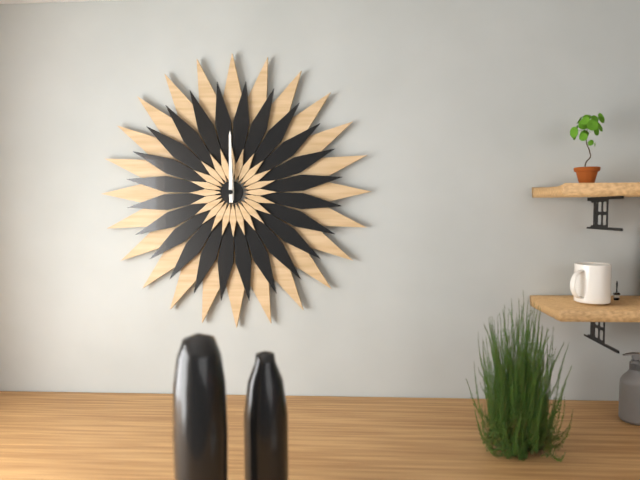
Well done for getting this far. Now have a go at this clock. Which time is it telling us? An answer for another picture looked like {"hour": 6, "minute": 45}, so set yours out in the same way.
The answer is {"hour": 12, "minute": 0}
